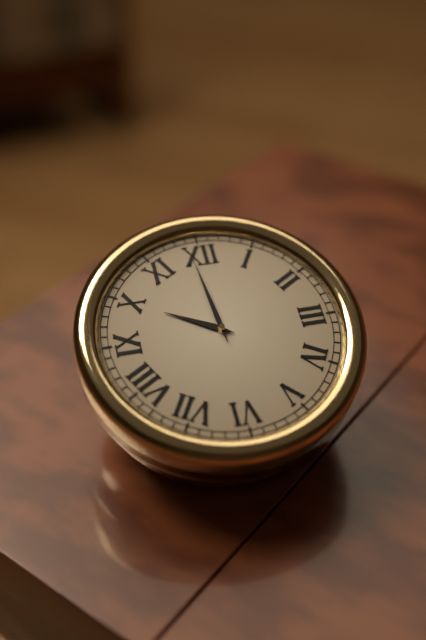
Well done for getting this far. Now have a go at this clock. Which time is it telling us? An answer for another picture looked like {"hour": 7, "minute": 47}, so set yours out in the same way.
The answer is {"hour": 9, "minute": 59}
